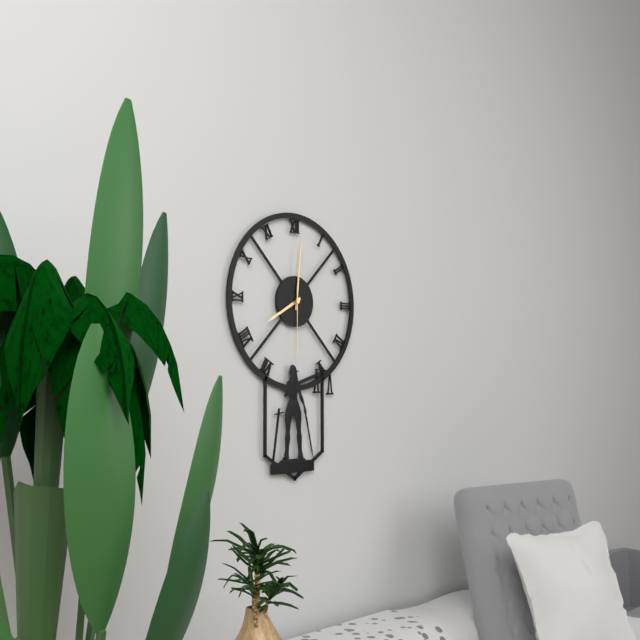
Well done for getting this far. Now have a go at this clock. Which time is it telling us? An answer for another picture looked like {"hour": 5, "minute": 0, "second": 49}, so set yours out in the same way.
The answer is {"hour": 8, "minute": 1, "second": 30}
